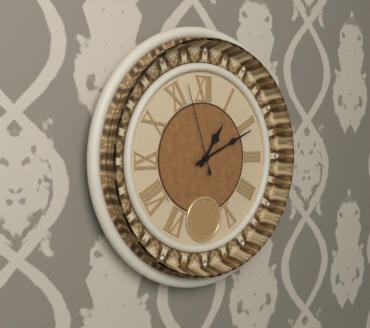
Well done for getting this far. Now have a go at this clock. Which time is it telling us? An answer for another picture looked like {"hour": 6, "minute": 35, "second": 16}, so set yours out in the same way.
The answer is {"hour": 1, "minute": 11, "second": 57}
